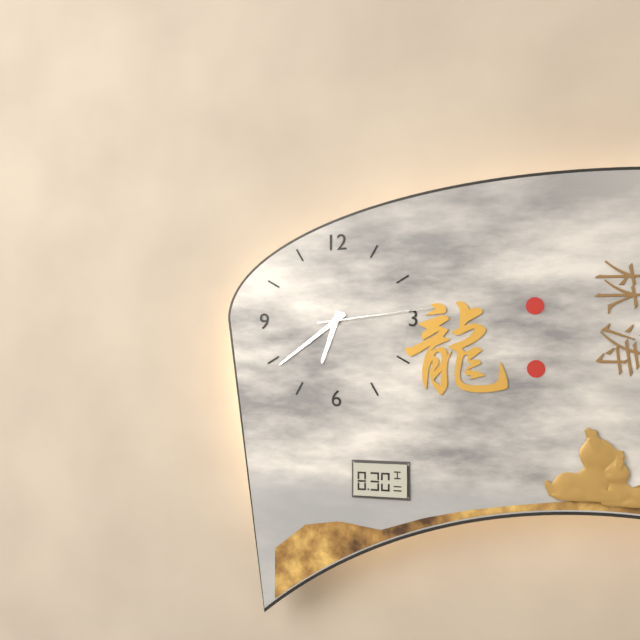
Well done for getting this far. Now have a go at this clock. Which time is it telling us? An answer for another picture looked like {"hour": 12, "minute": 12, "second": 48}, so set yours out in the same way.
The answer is {"hour": 6, "minute": 39, "second": 14}
